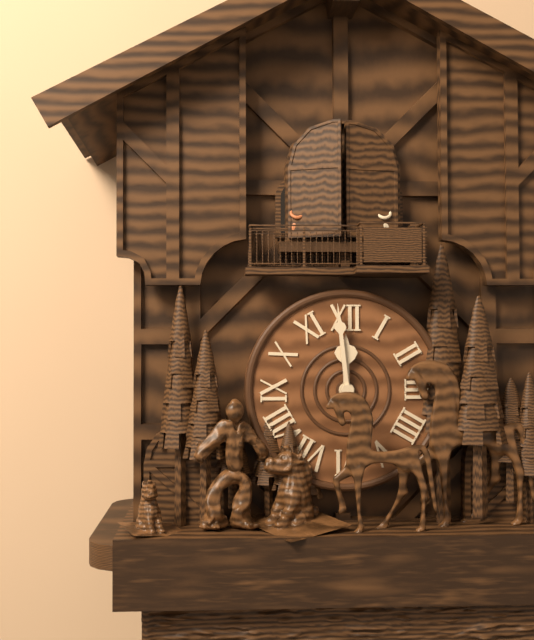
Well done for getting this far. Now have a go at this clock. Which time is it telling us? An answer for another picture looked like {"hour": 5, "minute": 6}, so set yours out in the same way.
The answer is {"hour": 11, "minute": 59}
